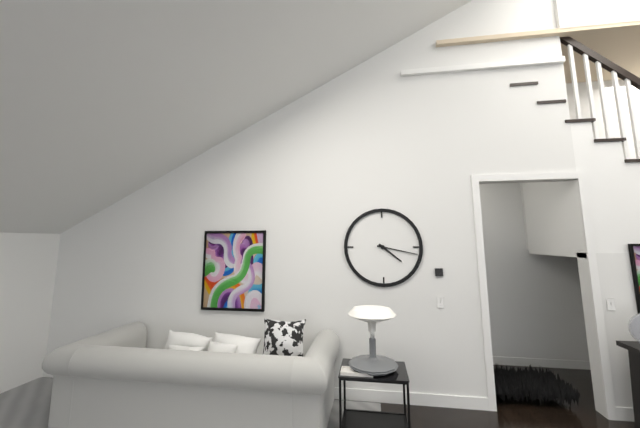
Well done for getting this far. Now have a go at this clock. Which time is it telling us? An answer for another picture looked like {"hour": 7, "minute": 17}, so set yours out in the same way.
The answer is {"hour": 4, "minute": 17}
